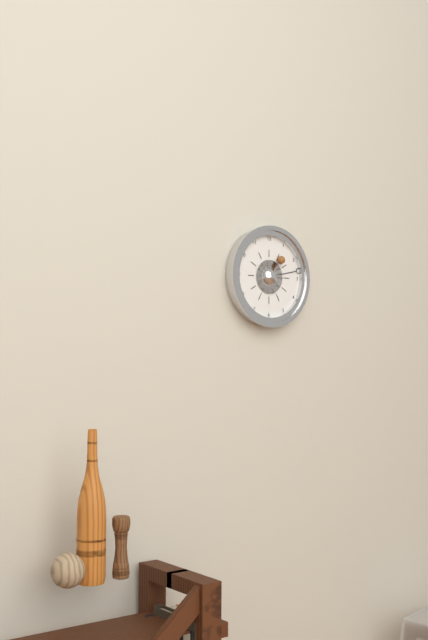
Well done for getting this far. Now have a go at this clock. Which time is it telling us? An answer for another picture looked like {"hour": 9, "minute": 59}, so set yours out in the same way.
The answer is {"hour": 1, "minute": 13}
